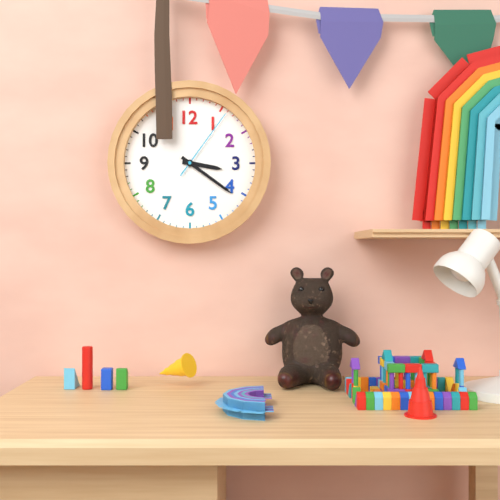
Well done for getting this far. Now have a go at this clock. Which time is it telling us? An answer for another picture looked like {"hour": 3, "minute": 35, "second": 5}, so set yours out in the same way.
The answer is {"hour": 3, "minute": 21, "second": 6}
